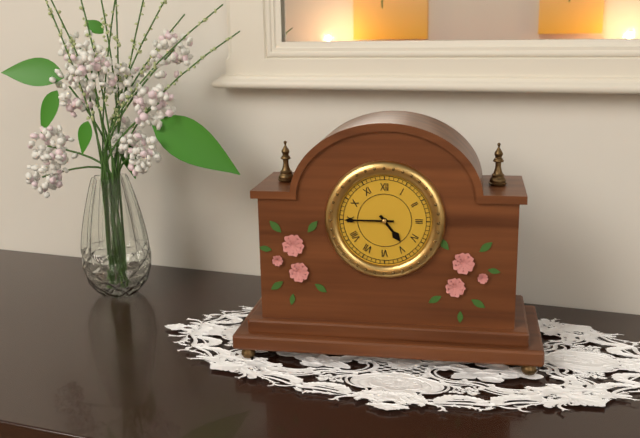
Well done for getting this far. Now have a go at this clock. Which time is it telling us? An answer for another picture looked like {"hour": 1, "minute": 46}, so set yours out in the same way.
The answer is {"hour": 4, "minute": 45}
